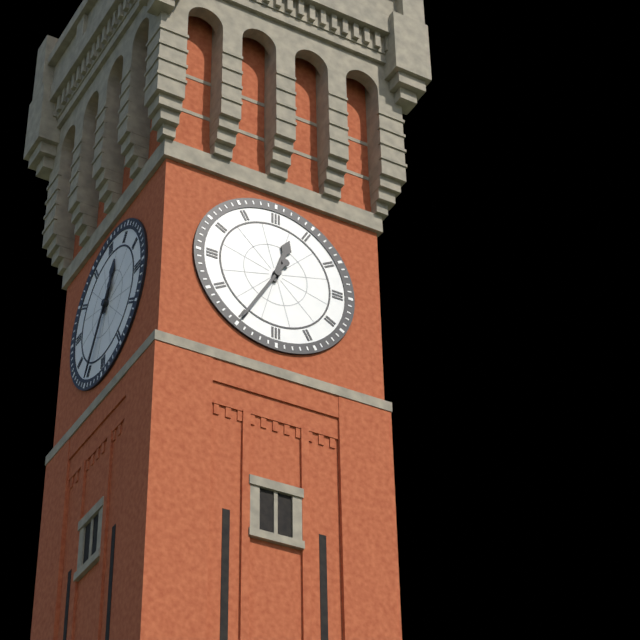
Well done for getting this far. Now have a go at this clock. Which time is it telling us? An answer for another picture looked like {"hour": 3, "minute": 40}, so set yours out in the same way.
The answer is {"hour": 12, "minute": 35}
